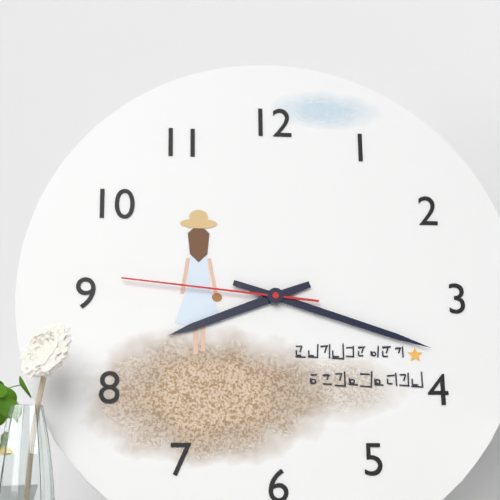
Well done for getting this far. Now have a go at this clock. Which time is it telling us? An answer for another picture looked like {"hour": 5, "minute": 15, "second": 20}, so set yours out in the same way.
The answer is {"hour": 8, "minute": 18, "second": 46}
